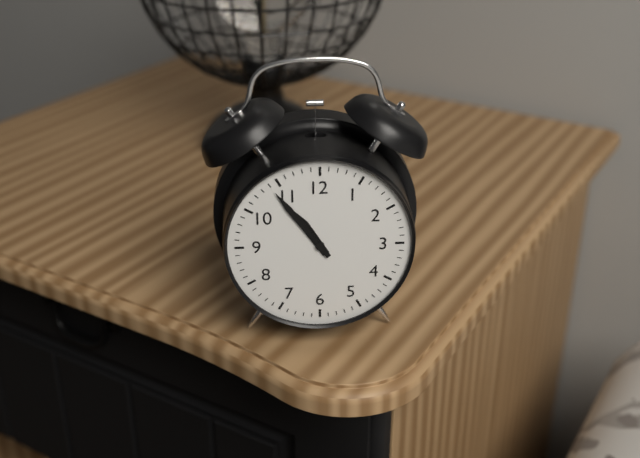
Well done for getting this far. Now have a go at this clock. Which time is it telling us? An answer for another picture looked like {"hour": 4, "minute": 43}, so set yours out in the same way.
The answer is {"hour": 10, "minute": 54}
